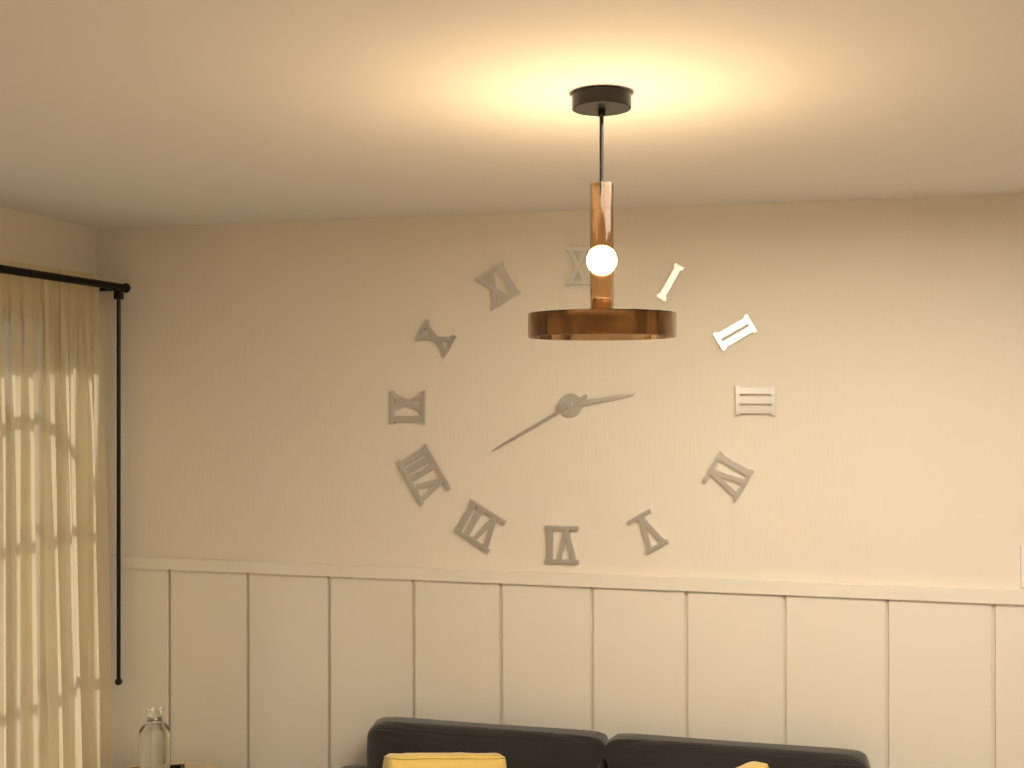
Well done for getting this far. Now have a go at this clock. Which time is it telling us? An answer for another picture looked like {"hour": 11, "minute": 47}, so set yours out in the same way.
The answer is {"hour": 2, "minute": 40}
